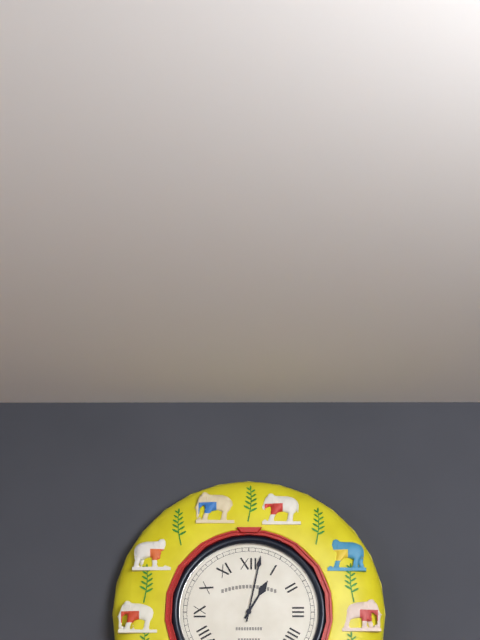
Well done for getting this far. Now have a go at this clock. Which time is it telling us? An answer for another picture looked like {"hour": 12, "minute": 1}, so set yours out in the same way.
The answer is {"hour": 1, "minute": 2}
